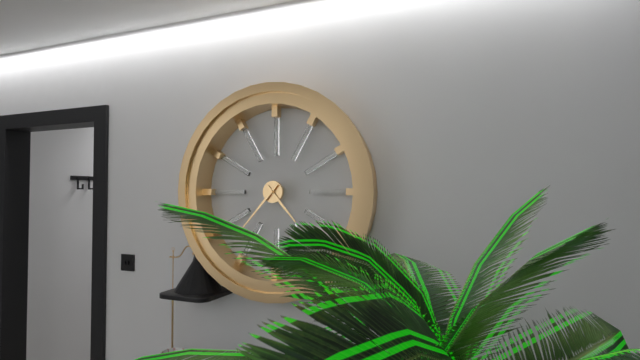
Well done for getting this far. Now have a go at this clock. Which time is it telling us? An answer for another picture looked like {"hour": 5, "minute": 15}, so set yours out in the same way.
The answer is {"hour": 4, "minute": 37}
